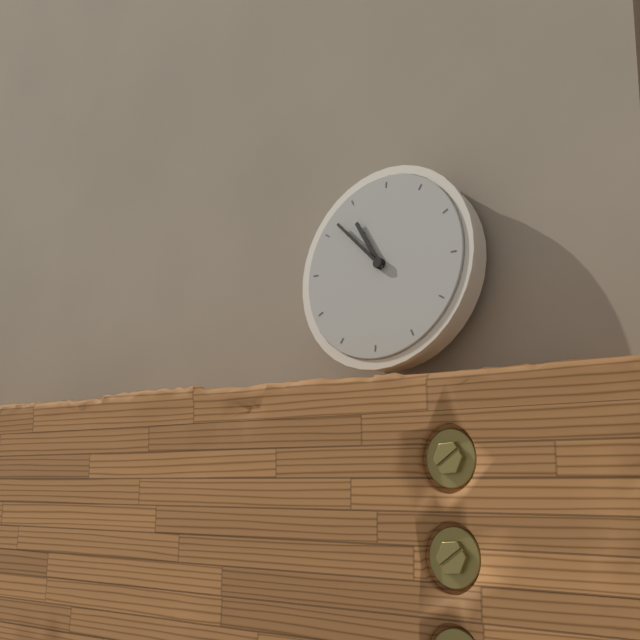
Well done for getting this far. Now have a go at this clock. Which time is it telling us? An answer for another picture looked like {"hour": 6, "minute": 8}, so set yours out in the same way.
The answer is {"hour": 10, "minute": 52}
